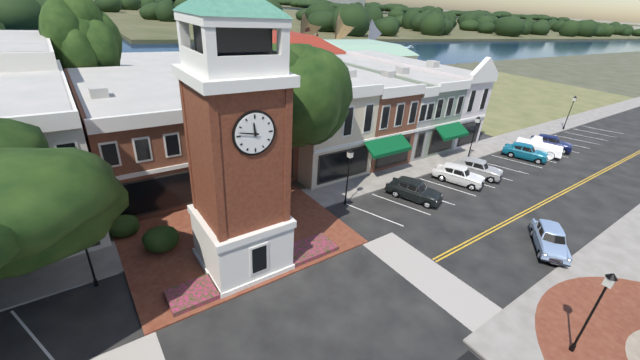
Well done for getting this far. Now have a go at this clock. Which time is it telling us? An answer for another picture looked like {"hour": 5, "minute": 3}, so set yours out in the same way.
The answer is {"hour": 11, "minute": 47}
